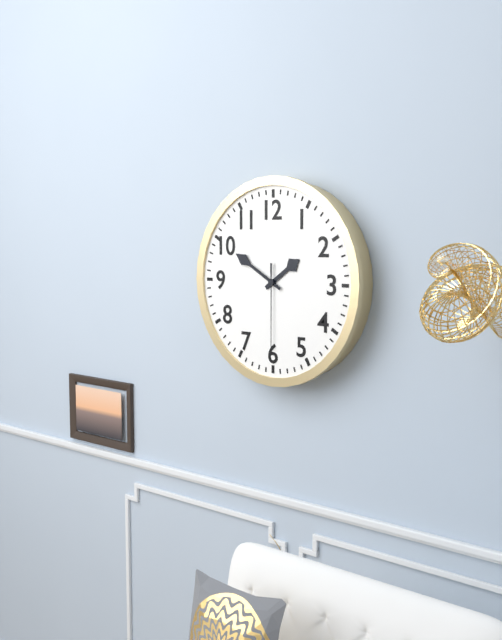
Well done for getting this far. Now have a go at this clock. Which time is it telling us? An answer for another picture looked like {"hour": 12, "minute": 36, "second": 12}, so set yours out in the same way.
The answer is {"hour": 1, "minute": 50, "second": 30}
